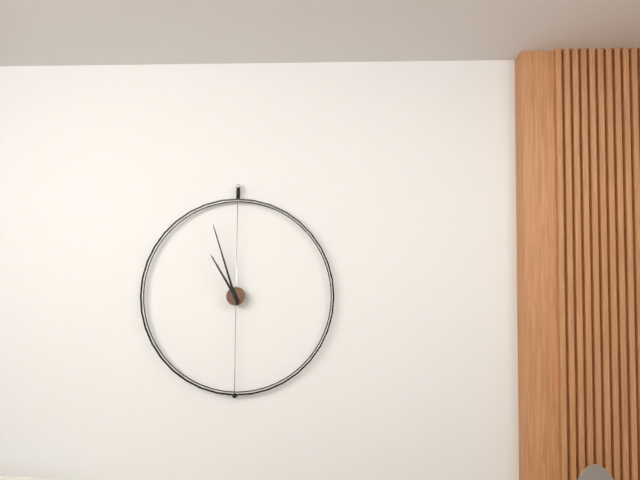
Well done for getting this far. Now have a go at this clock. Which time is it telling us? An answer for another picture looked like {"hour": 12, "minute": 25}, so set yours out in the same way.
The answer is {"hour": 10, "minute": 57}
